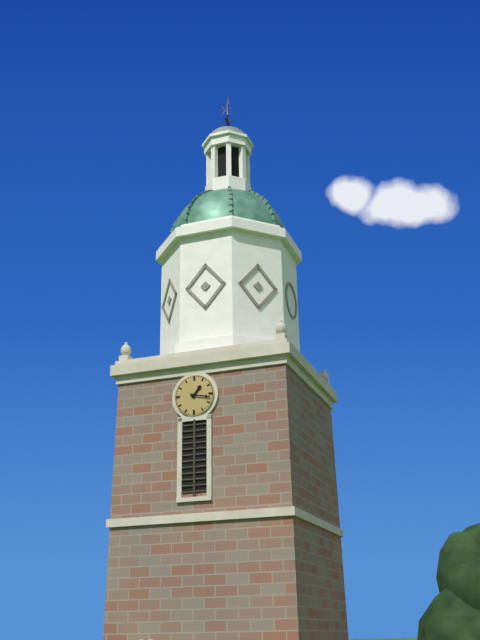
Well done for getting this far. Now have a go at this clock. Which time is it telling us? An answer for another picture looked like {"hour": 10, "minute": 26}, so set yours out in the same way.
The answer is {"hour": 1, "minute": 17}
